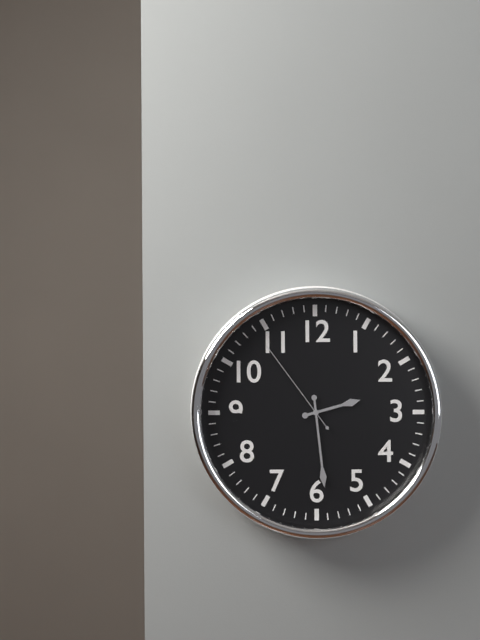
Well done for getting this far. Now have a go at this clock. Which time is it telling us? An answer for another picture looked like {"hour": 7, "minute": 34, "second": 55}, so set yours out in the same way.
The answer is {"hour": 2, "minute": 29, "second": 54}
